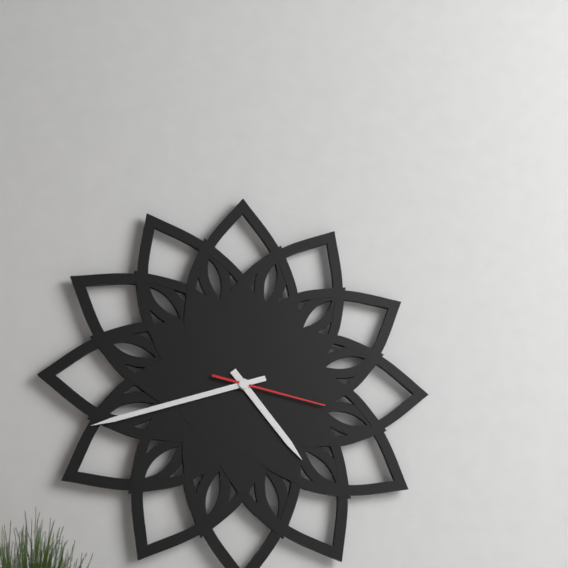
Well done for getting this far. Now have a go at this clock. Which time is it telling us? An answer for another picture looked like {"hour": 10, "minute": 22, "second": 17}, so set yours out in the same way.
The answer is {"hour": 4, "minute": 42, "second": 17}
